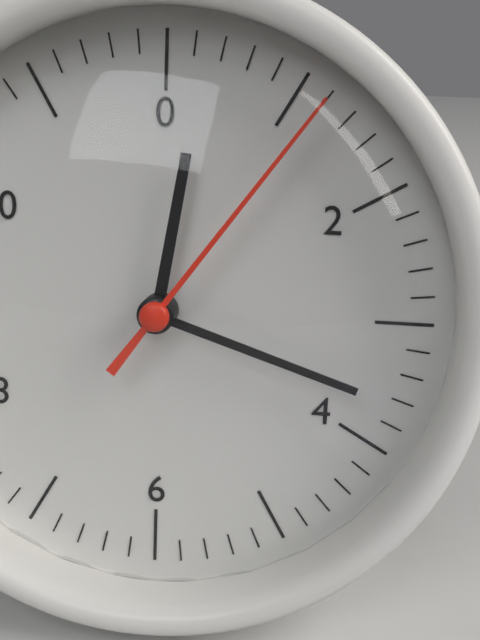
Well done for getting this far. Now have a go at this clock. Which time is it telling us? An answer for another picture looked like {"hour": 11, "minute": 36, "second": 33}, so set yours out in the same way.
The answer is {"hour": 12, "minute": 18, "second": 6}
